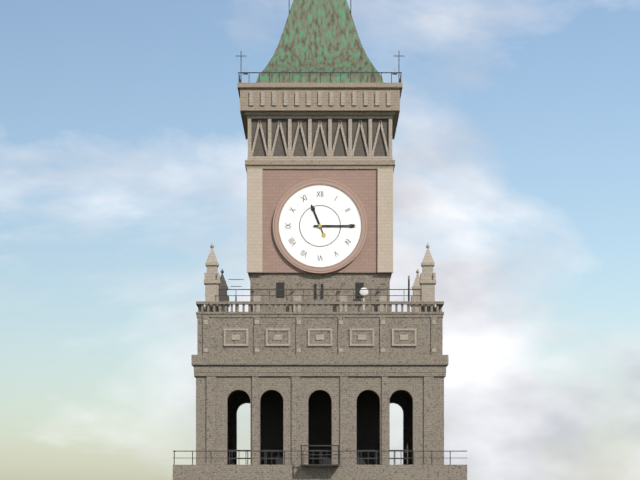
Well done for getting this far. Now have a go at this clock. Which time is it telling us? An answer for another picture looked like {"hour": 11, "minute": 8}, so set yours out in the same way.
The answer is {"hour": 11, "minute": 15}
